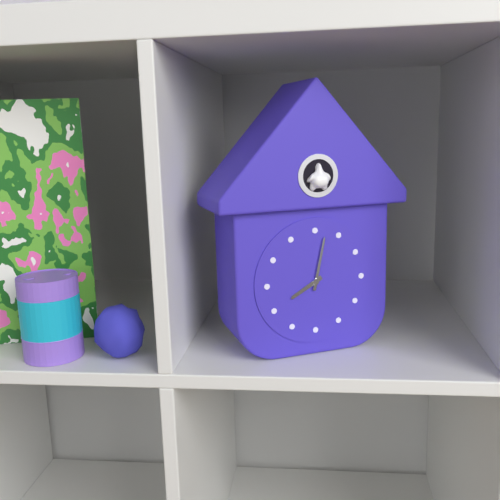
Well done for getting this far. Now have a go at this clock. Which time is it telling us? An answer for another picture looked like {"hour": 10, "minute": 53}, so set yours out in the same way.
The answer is {"hour": 8, "minute": 2}
